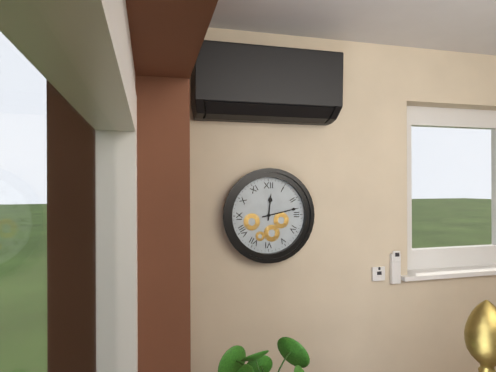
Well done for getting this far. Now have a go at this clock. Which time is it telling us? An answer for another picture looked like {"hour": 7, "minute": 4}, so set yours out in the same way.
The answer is {"hour": 12, "minute": 13}
